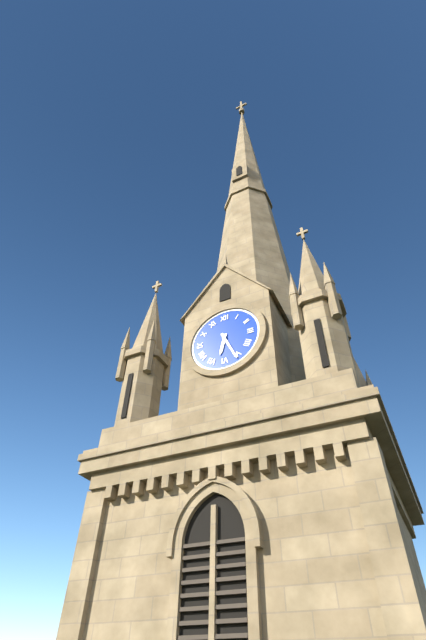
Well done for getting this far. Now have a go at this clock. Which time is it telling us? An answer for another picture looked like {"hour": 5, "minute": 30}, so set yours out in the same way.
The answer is {"hour": 6, "minute": 26}
